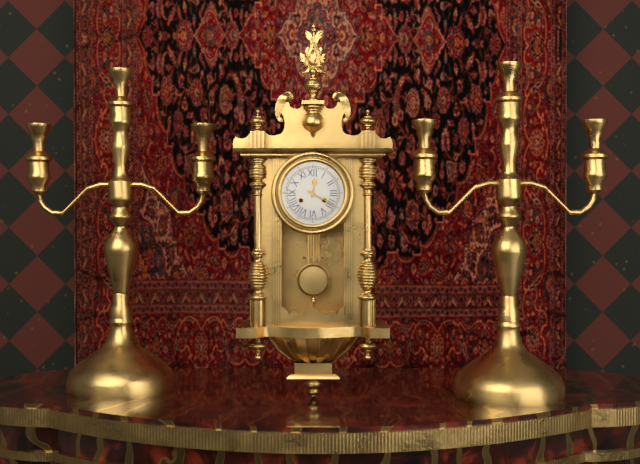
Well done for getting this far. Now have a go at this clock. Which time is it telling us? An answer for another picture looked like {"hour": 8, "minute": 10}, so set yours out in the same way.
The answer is {"hour": 12, "minute": 20}
